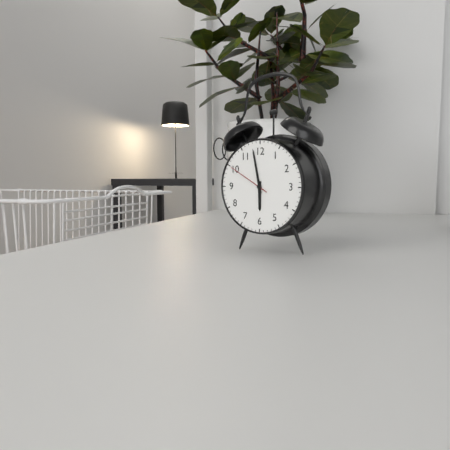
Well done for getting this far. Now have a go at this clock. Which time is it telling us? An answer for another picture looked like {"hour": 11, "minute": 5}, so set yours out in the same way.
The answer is {"hour": 5, "minute": 58}
